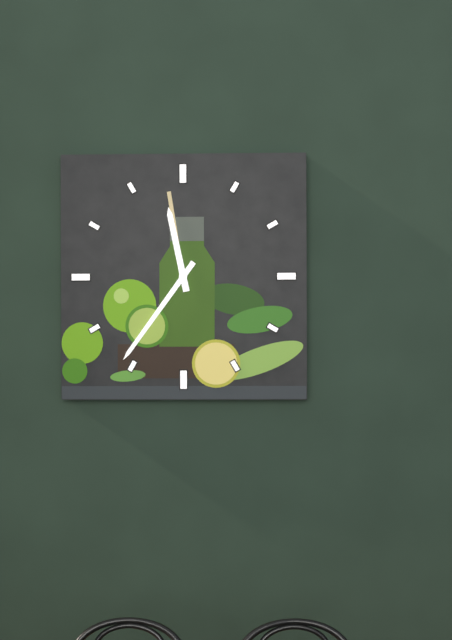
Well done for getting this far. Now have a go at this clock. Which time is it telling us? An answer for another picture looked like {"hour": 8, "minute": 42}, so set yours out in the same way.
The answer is {"hour": 11, "minute": 36}
